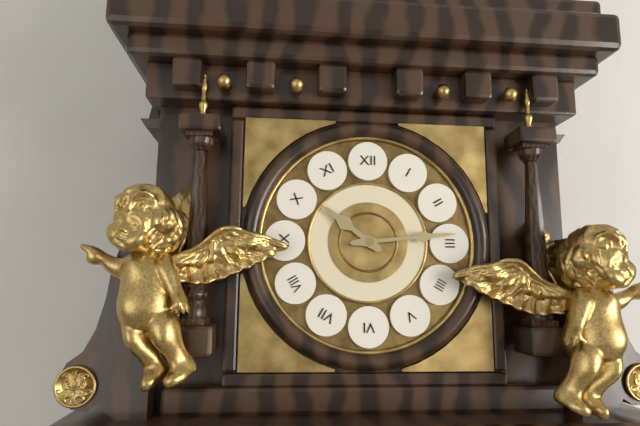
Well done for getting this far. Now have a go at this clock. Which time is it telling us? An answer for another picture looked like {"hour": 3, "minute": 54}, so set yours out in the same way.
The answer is {"hour": 10, "minute": 14}
